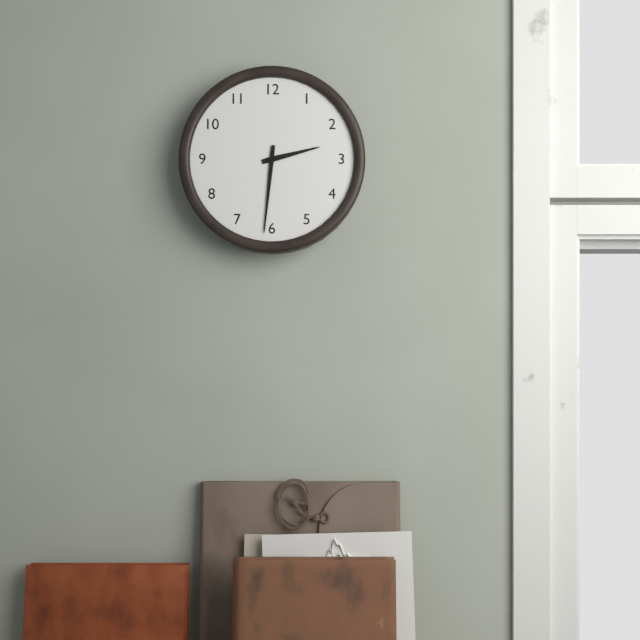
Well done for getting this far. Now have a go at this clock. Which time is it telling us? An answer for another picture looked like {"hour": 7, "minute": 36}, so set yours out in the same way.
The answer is {"hour": 2, "minute": 31}
